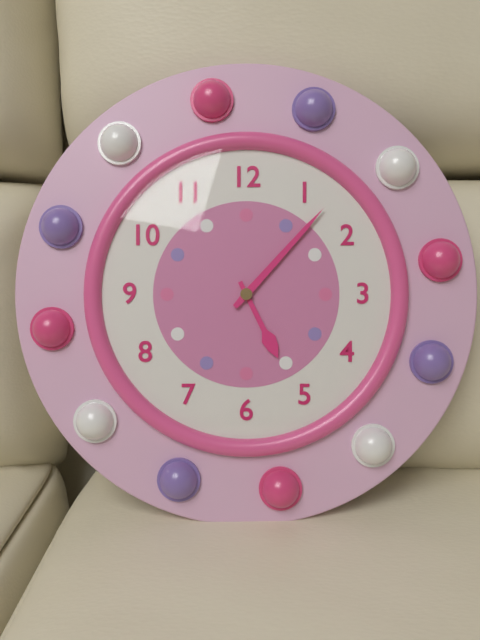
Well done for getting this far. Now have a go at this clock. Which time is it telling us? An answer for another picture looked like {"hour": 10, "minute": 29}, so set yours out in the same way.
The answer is {"hour": 5, "minute": 7}
